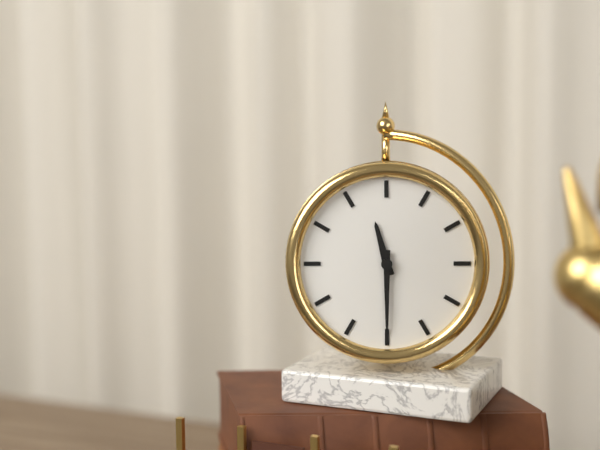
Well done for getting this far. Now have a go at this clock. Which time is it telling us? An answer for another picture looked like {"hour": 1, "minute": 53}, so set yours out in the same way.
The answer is {"hour": 11, "minute": 30}
